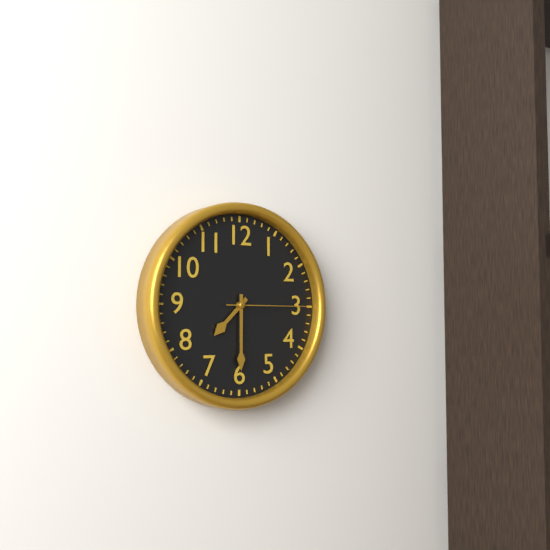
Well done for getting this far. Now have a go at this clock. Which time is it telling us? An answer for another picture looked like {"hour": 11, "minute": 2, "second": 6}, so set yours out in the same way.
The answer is {"hour": 7, "minute": 30, "second": 15}
